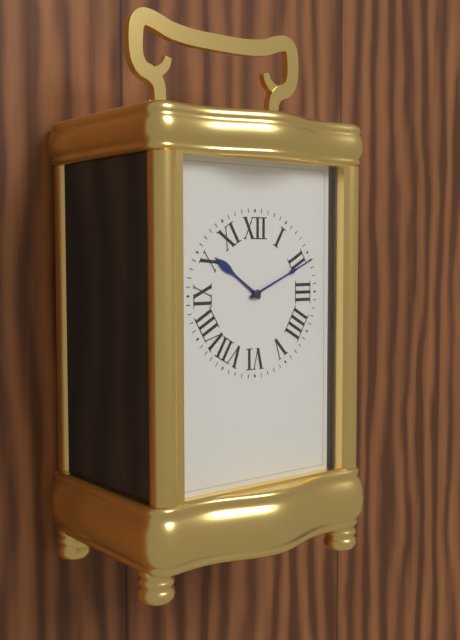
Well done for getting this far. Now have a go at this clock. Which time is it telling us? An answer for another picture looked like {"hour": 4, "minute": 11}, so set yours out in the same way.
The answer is {"hour": 10, "minute": 11}
